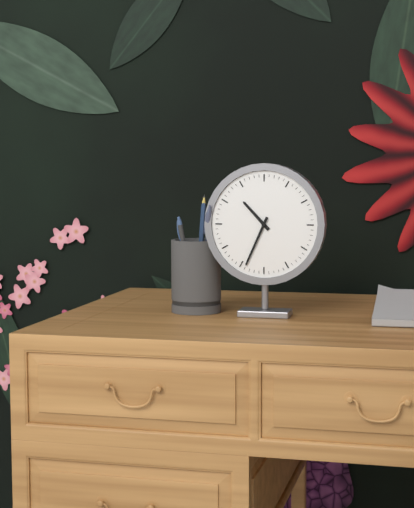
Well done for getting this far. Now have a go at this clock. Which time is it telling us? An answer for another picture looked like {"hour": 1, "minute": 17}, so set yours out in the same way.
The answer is {"hour": 10, "minute": 34}
